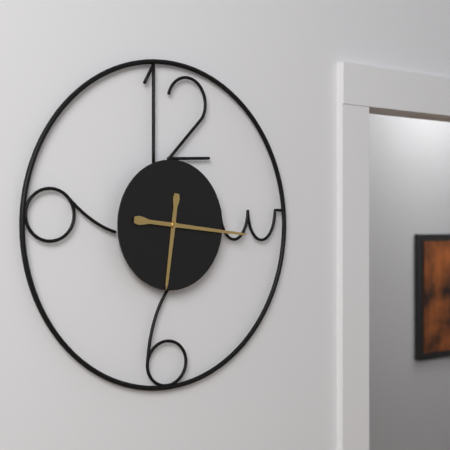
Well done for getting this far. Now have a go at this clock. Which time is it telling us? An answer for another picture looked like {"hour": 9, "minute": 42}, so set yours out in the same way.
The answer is {"hour": 6, "minute": 16}
